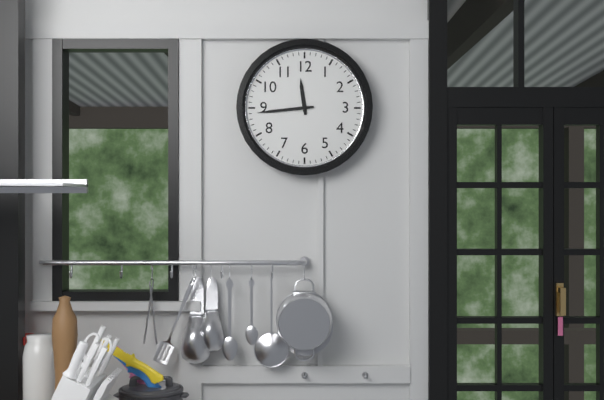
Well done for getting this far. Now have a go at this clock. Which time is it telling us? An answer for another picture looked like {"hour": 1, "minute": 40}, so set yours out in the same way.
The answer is {"hour": 11, "minute": 44}
